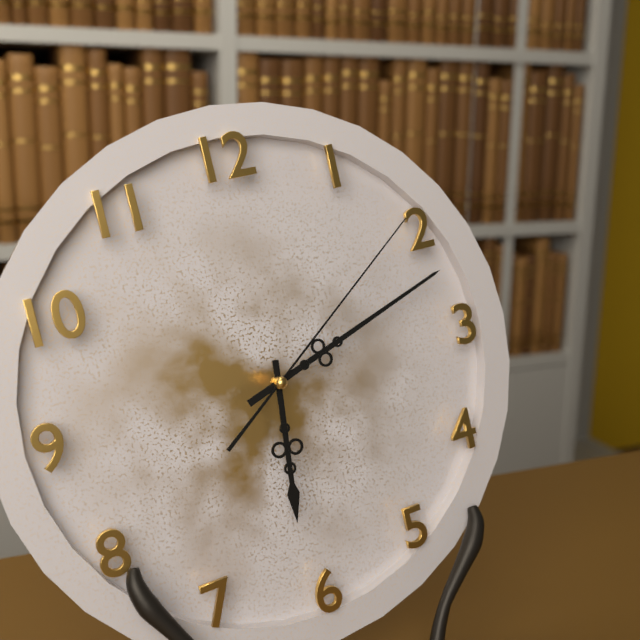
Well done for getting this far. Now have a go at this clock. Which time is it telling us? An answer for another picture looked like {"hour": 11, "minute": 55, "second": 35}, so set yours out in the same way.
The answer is {"hour": 6, "minute": 12, "second": 9}
